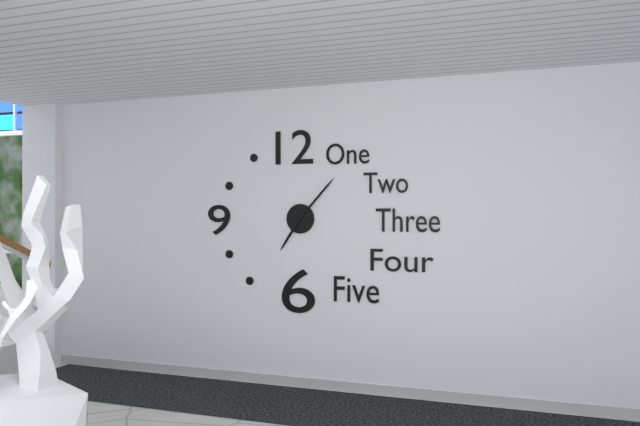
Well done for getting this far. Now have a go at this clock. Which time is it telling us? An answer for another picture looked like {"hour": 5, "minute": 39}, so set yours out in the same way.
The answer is {"hour": 7, "minute": 7}
